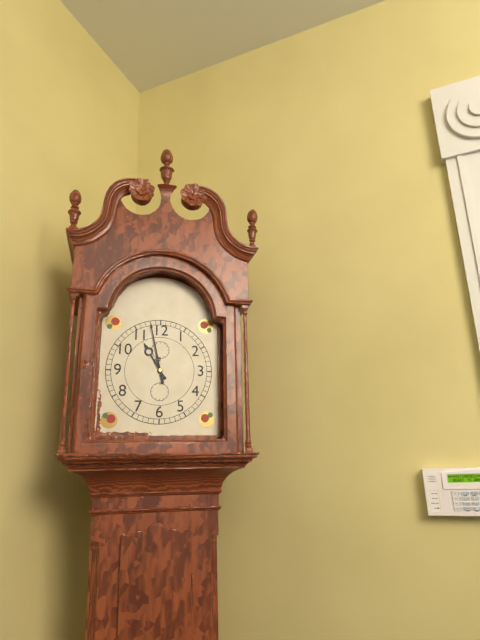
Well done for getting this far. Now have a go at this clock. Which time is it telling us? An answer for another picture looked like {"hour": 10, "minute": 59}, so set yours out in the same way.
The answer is {"hour": 10, "minute": 58}
